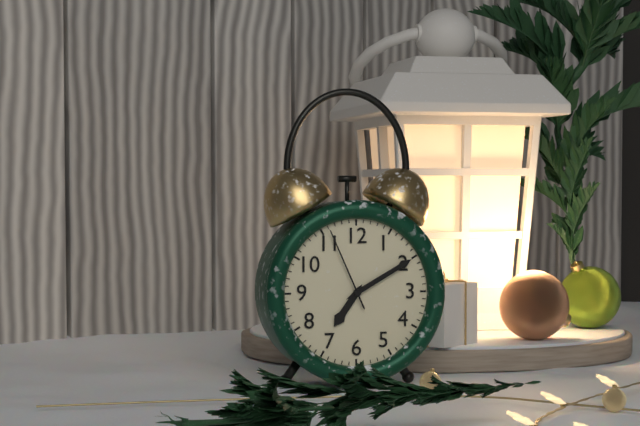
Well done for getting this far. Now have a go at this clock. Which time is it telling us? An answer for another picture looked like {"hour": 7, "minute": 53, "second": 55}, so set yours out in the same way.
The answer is {"hour": 7, "minute": 10, "second": 56}
